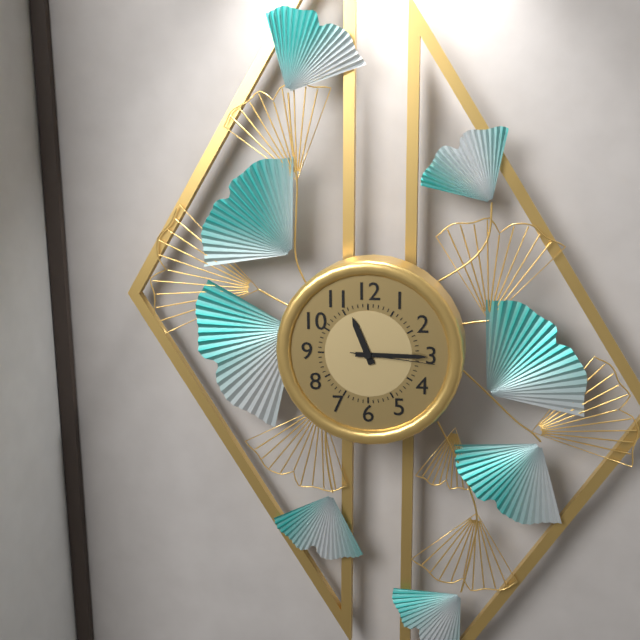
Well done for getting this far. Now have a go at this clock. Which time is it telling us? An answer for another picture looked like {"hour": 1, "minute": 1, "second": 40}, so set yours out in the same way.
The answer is {"hour": 11, "minute": 15, "second": 16}
